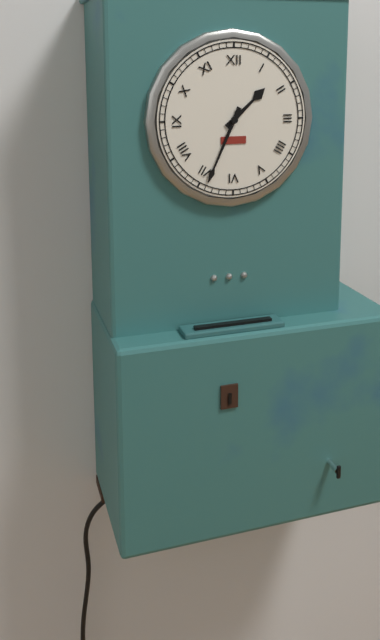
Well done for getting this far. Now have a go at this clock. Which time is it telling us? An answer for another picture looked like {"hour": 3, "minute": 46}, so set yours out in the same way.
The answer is {"hour": 1, "minute": 34}
